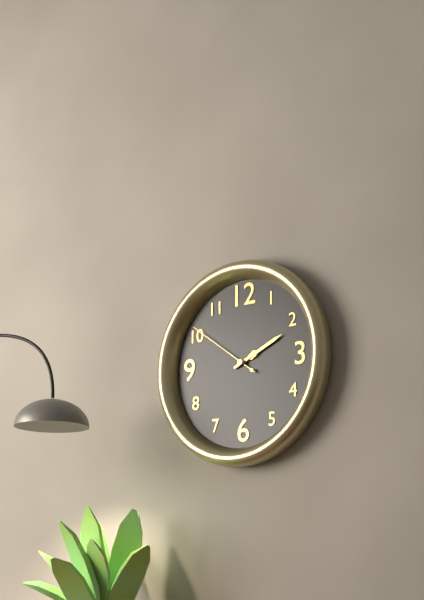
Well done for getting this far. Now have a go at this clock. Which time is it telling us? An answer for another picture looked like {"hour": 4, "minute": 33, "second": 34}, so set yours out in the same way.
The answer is {"hour": 2, "minute": 11, "second": 51}
